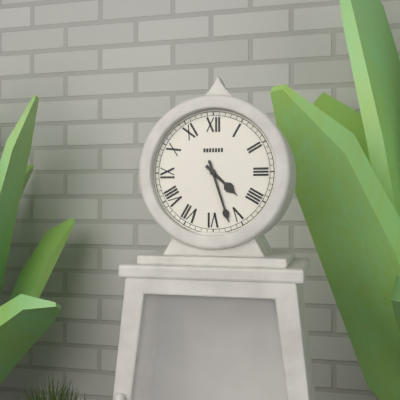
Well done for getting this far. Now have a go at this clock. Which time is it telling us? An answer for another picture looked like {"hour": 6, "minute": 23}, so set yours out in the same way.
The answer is {"hour": 4, "minute": 27}
